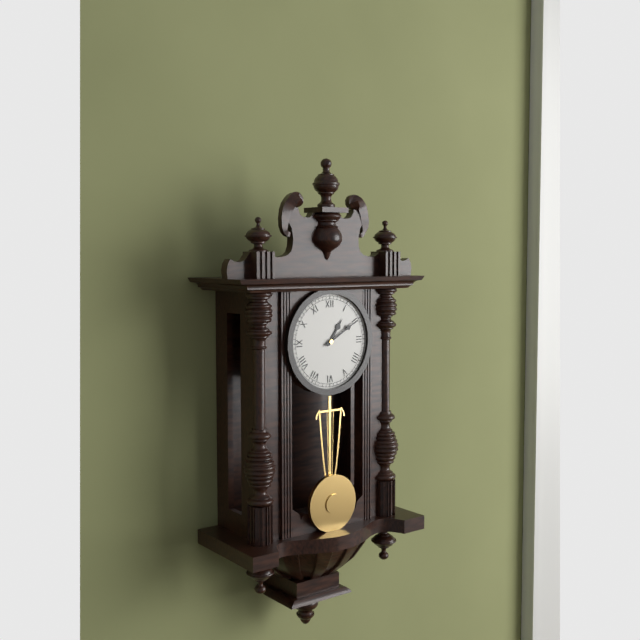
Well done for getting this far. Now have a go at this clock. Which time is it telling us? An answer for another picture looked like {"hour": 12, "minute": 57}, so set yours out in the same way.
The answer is {"hour": 1, "minute": 10}
